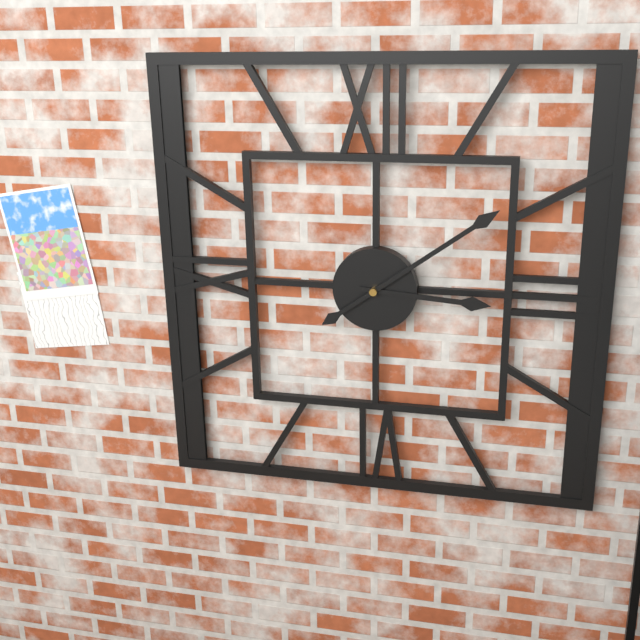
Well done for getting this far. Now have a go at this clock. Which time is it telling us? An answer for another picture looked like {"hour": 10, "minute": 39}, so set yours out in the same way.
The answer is {"hour": 3, "minute": 9}
